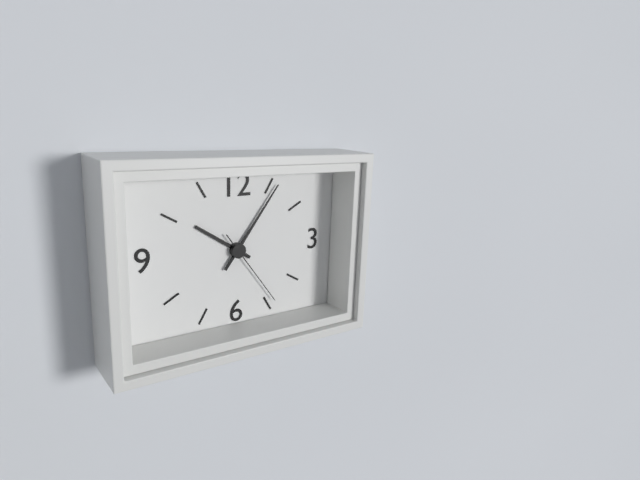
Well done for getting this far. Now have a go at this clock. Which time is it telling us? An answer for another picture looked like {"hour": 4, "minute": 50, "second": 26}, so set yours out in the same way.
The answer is {"hour": 10, "minute": 6, "second": 24}
